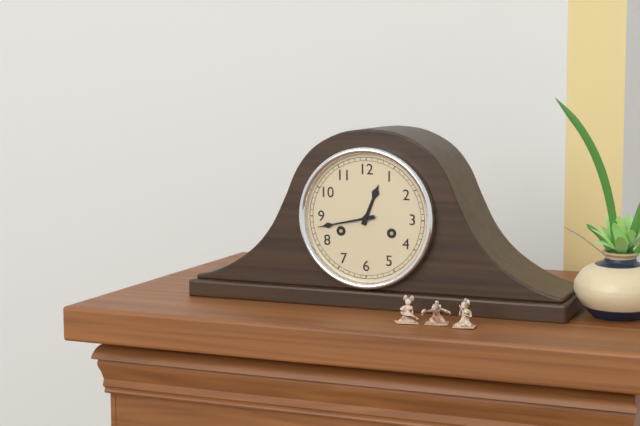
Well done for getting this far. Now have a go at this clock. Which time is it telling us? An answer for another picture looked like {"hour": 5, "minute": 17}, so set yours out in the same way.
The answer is {"hour": 12, "minute": 43}
